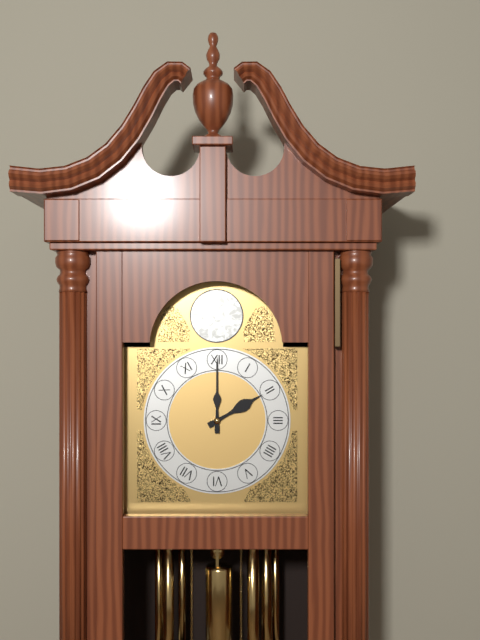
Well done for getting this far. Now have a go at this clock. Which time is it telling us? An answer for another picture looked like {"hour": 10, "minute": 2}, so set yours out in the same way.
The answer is {"hour": 2, "minute": 0}
